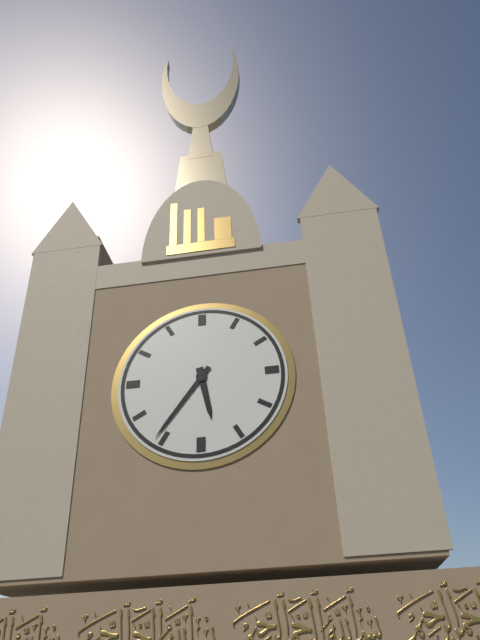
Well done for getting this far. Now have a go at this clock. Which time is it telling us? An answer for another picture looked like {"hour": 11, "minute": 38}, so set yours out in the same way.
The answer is {"hour": 5, "minute": 36}
